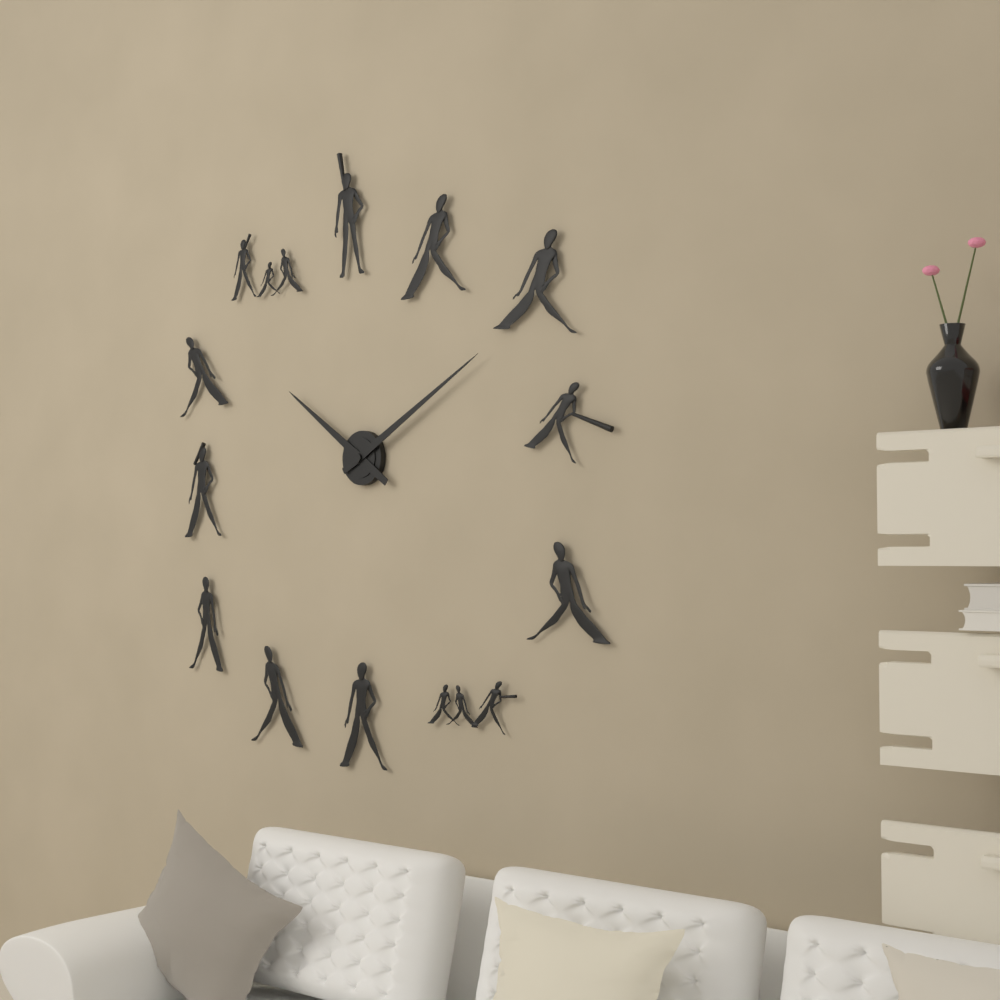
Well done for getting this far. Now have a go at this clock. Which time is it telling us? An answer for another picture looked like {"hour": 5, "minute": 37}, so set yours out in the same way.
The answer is {"hour": 10, "minute": 10}
